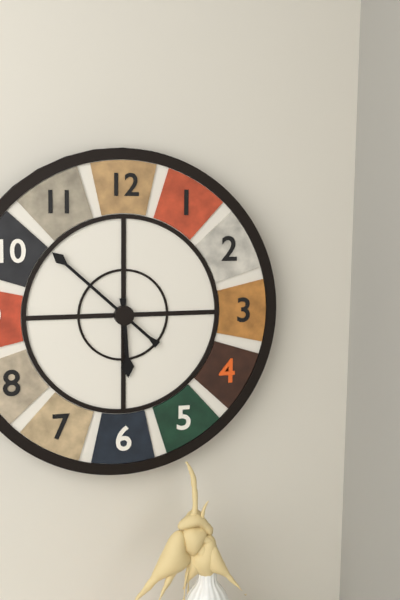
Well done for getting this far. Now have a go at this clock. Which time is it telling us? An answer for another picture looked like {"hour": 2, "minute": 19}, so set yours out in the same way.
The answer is {"hour": 5, "minute": 52}
